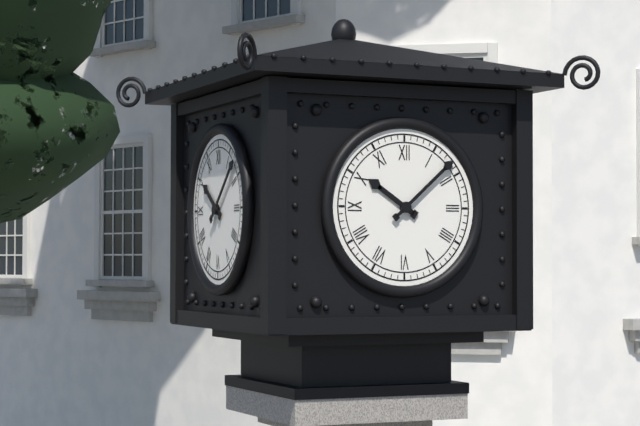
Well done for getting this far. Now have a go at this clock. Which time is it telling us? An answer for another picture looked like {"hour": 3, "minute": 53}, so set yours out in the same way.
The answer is {"hour": 10, "minute": 8}
